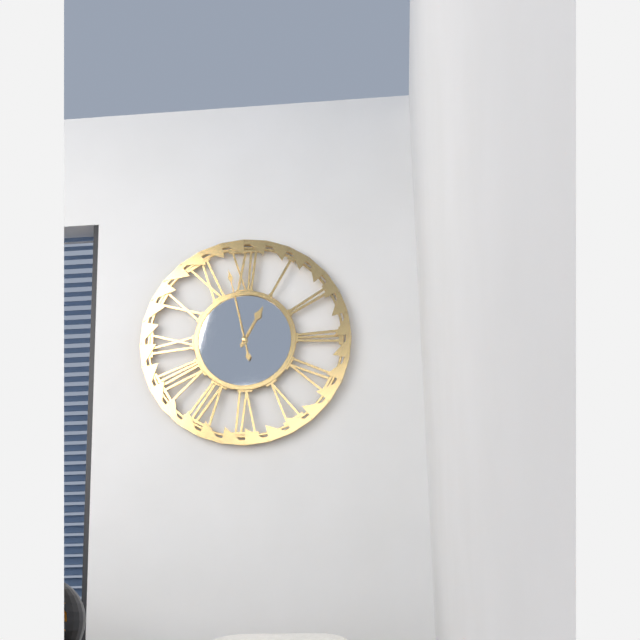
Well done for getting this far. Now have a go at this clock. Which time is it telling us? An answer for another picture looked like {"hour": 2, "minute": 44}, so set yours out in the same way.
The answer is {"hour": 12, "minute": 58}
